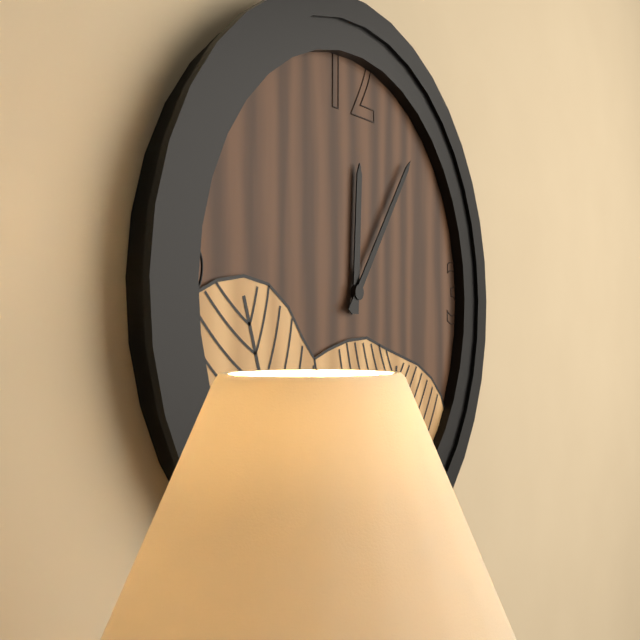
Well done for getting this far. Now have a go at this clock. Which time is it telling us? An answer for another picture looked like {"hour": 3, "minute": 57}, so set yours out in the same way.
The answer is {"hour": 12, "minute": 6}
